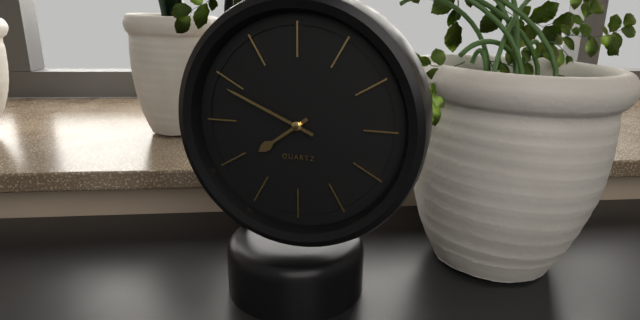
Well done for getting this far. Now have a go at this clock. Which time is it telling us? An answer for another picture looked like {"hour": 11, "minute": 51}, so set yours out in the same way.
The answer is {"hour": 7, "minute": 49}
